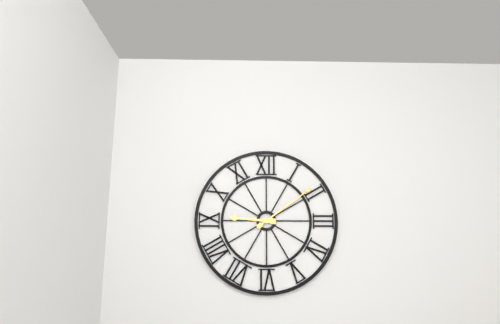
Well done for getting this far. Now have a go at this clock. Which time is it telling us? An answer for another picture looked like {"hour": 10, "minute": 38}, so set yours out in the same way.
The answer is {"hour": 9, "minute": 9}
